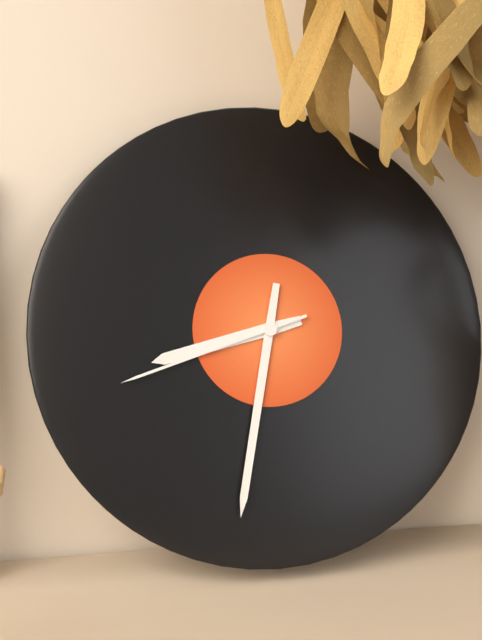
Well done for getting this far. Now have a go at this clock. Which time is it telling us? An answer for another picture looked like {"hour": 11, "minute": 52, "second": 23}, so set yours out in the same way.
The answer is {"hour": 8, "minute": 32, "second": 42}
